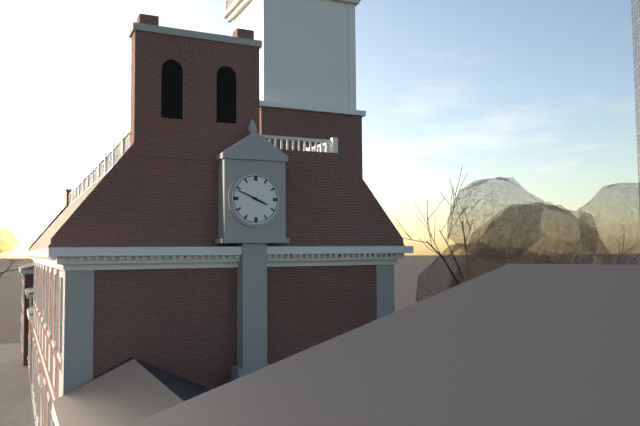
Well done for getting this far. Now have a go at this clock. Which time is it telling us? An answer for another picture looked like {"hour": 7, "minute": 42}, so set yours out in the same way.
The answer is {"hour": 3, "minute": 49}
